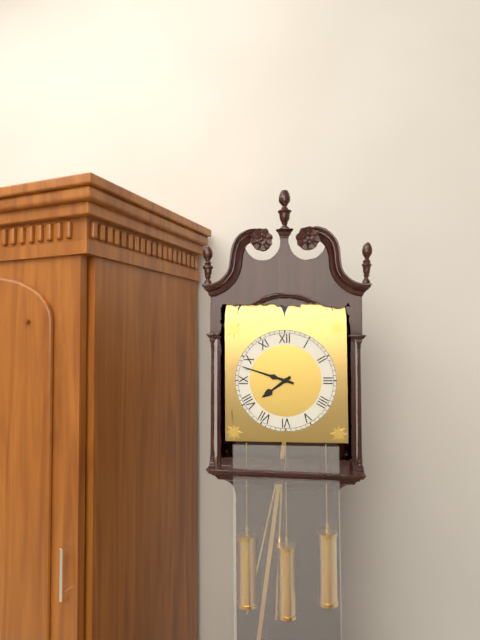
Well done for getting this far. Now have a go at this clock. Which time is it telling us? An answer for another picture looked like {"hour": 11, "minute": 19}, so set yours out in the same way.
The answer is {"hour": 7, "minute": 48}
